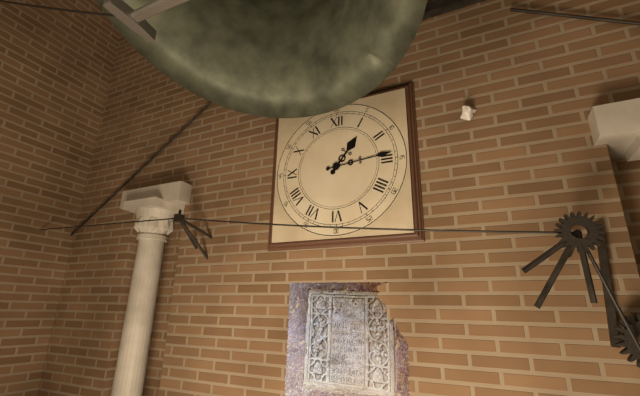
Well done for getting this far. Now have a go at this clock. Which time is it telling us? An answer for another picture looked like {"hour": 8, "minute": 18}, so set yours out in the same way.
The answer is {"hour": 1, "minute": 14}
